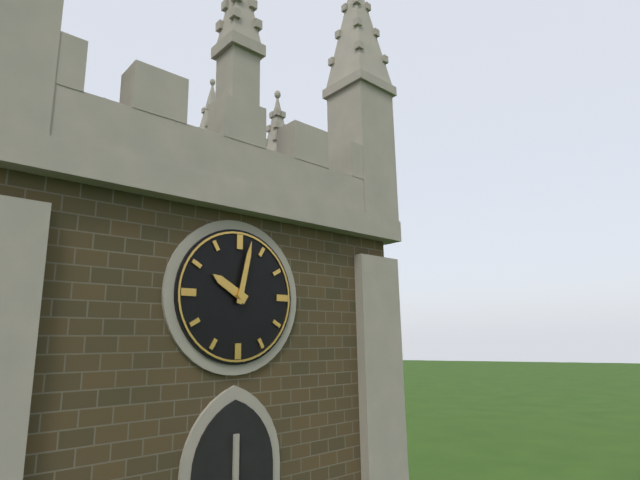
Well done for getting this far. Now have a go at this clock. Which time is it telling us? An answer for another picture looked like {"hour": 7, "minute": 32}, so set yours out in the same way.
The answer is {"hour": 10, "minute": 2}
